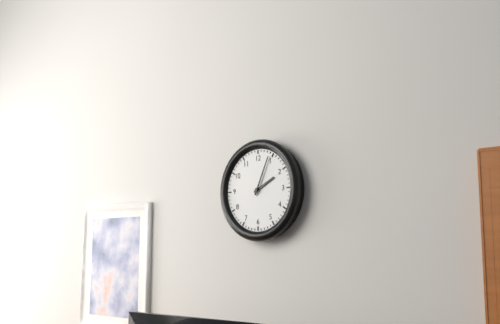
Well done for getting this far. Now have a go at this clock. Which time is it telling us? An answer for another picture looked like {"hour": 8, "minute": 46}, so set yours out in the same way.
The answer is {"hour": 2, "minute": 4}
